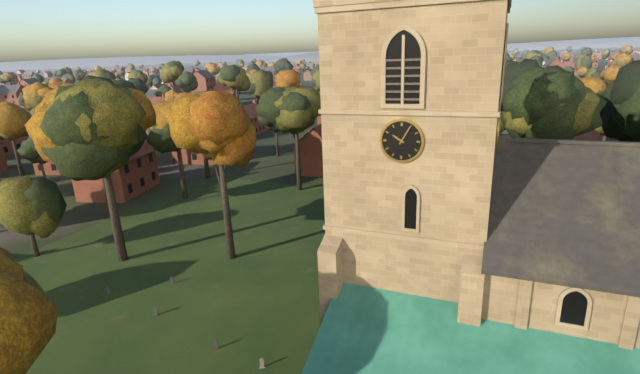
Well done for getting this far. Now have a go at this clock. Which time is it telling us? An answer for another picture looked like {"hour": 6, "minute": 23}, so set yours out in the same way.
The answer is {"hour": 10, "minute": 5}
